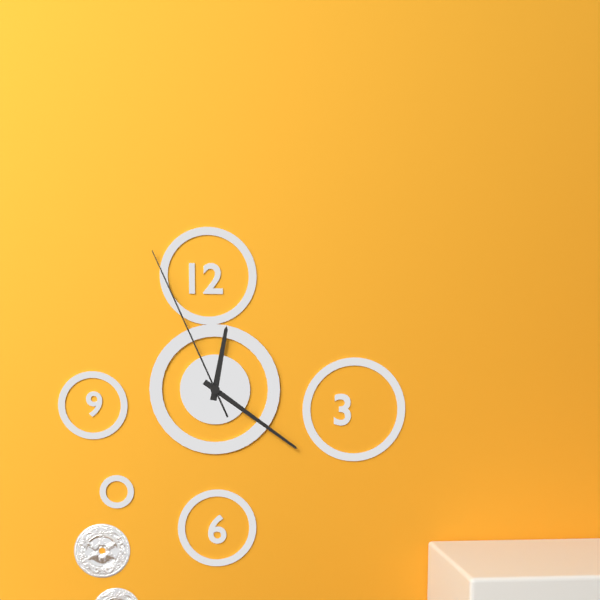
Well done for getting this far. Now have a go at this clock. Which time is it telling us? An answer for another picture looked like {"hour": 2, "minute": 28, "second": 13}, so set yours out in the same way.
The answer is {"hour": 12, "minute": 21, "second": 56}
